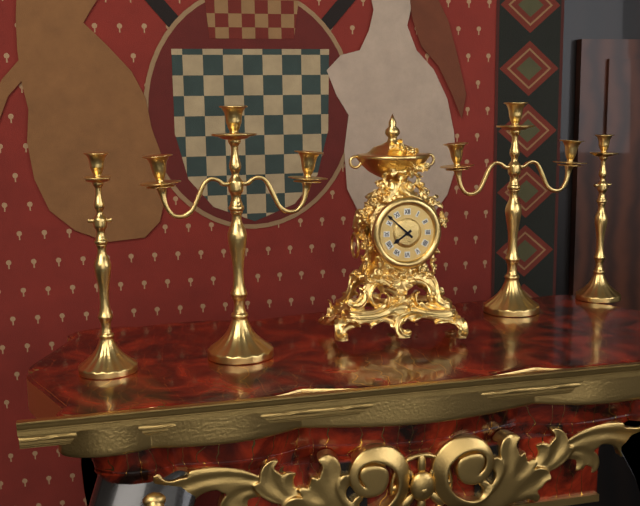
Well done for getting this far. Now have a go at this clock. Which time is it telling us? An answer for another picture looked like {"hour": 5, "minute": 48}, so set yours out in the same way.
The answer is {"hour": 7, "minute": 52}
